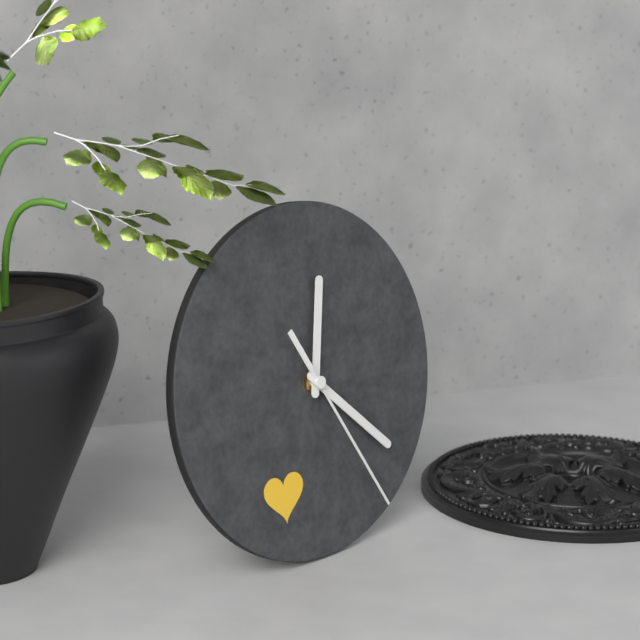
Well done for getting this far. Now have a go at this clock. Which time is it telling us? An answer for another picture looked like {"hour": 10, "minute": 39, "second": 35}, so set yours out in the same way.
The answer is {"hour": 12, "minute": 22, "second": 25}
